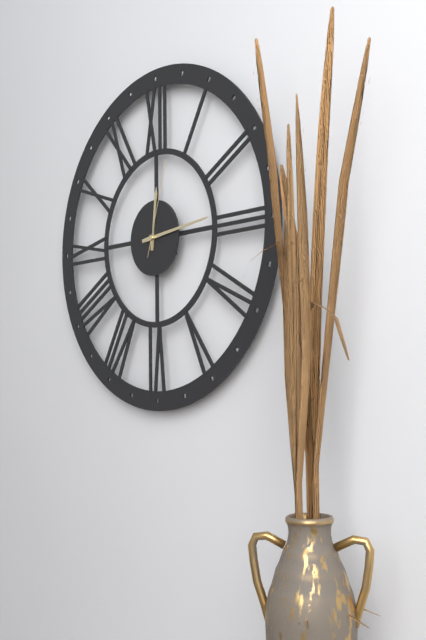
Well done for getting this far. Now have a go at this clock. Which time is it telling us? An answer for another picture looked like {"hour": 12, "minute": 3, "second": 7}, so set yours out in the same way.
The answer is {"hour": 12, "minute": 14, "second": 3}
